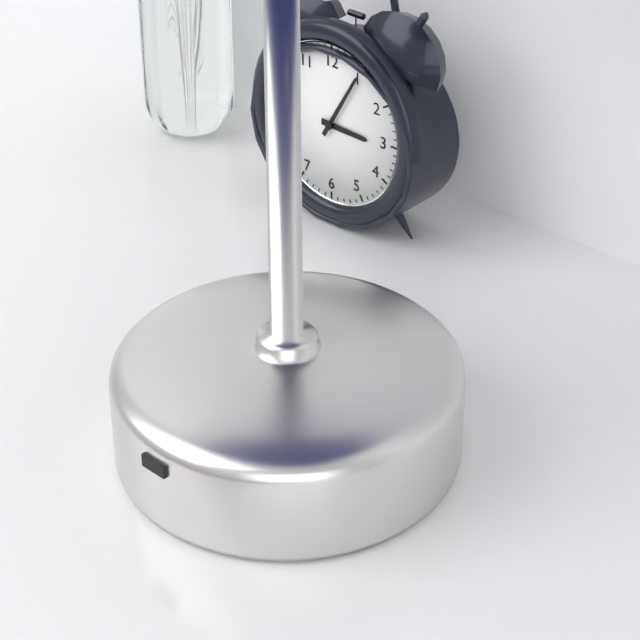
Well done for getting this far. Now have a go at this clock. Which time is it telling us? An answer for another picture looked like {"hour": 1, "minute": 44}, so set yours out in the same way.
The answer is {"hour": 3, "minute": 5}
